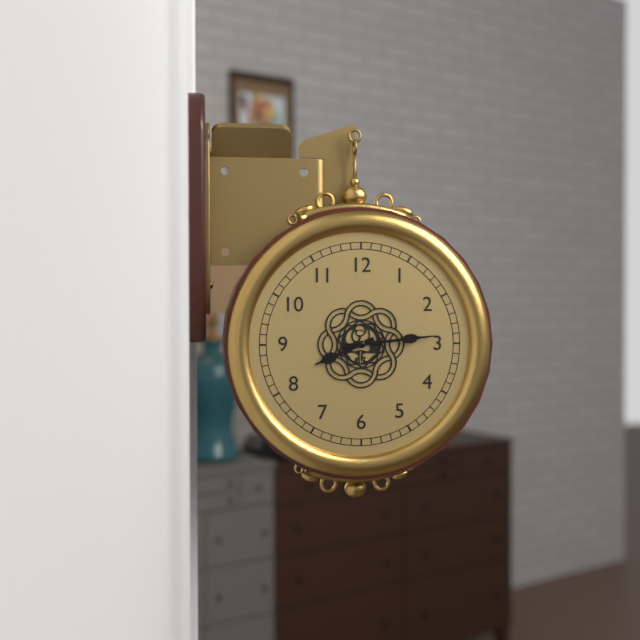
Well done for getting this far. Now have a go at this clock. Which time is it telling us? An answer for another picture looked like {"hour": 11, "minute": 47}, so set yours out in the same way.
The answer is {"hour": 8, "minute": 14}
